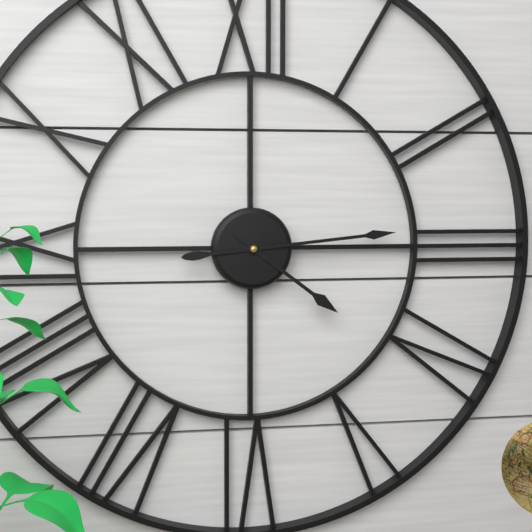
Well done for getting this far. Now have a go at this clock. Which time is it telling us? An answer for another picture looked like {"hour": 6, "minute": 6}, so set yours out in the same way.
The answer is {"hour": 4, "minute": 14}
